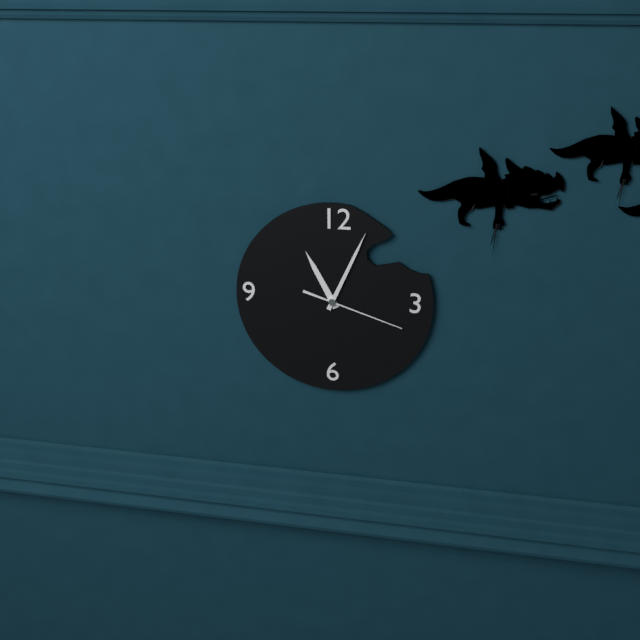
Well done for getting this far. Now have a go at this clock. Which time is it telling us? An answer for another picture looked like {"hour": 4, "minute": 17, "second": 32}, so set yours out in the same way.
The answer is {"hour": 11, "minute": 4, "second": 18}
